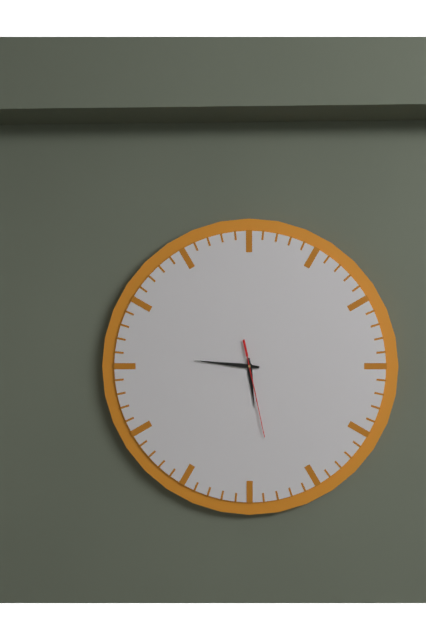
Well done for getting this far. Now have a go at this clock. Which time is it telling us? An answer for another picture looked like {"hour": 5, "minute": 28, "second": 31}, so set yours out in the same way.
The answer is {"hour": 5, "minute": 46, "second": 28}
